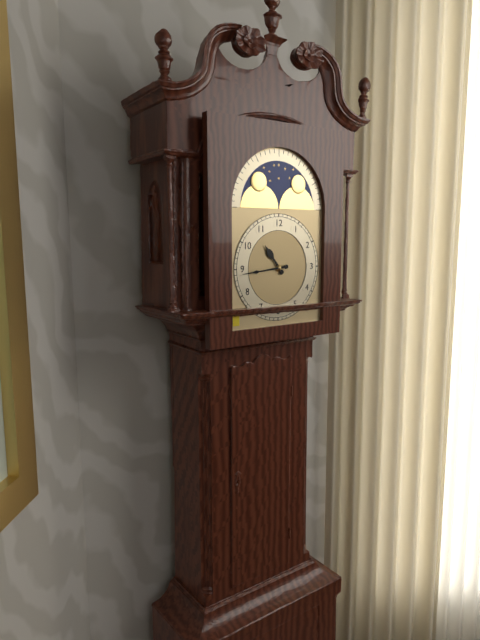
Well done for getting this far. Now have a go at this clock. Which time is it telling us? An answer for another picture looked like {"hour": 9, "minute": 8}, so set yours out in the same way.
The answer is {"hour": 10, "minute": 44}
